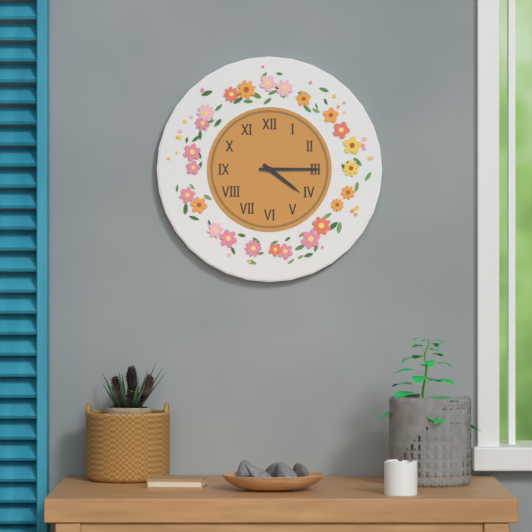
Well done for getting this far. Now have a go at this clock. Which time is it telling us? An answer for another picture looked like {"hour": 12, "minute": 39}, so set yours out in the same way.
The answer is {"hour": 4, "minute": 15}
